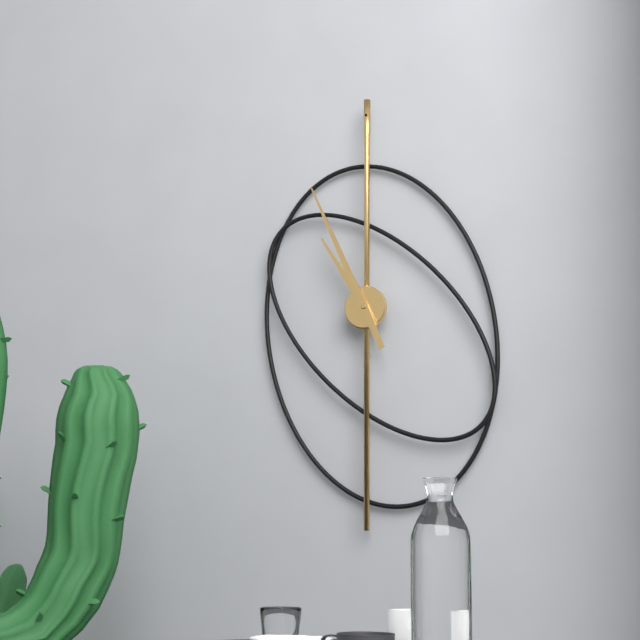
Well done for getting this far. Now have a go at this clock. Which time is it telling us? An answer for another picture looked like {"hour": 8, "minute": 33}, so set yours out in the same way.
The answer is {"hour": 10, "minute": 56}
